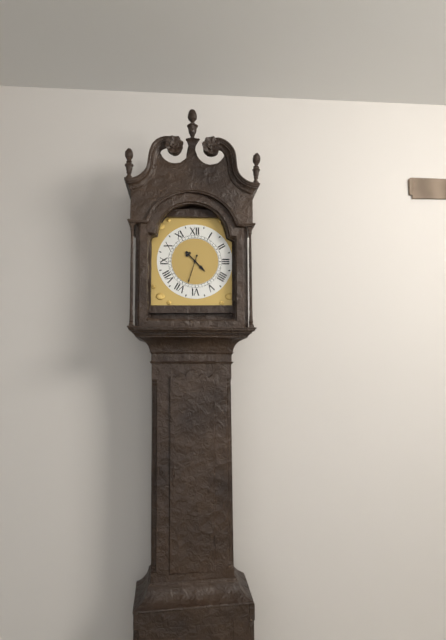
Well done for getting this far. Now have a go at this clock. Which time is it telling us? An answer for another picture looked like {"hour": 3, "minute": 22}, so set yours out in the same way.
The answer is {"hour": 4, "minute": 33}
